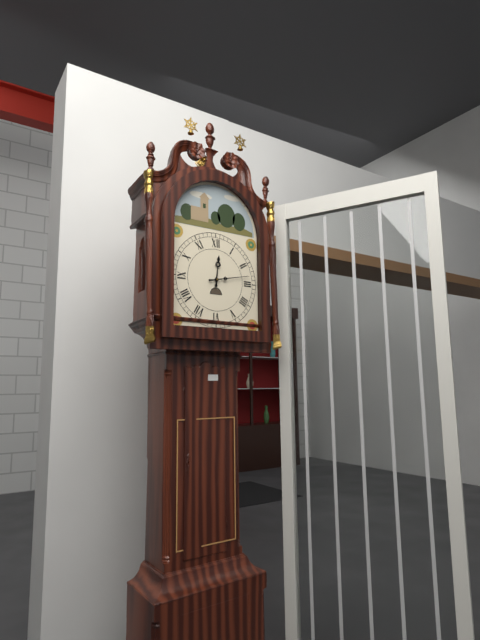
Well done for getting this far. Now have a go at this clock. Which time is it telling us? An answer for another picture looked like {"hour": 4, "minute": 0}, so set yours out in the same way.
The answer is {"hour": 12, "minute": 13}
